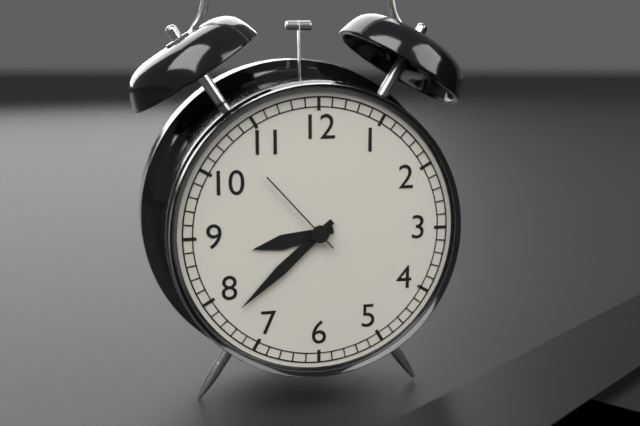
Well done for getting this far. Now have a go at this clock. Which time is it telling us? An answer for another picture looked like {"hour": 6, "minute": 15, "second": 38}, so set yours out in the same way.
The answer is {"hour": 8, "minute": 38, "second": 53}
